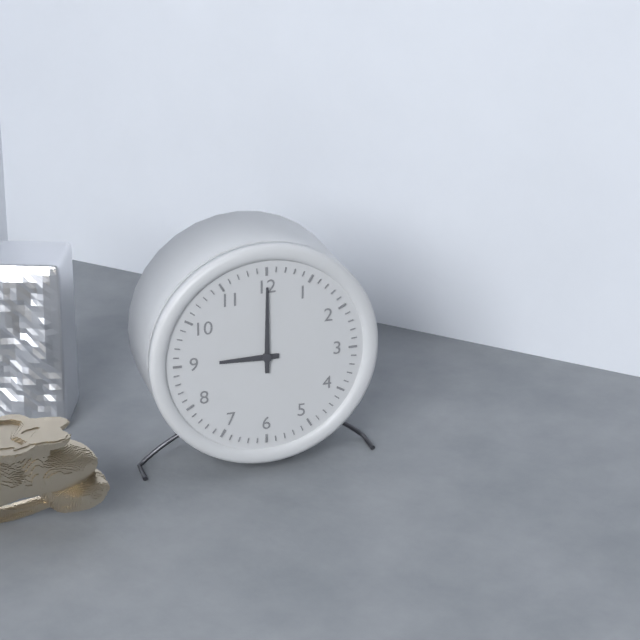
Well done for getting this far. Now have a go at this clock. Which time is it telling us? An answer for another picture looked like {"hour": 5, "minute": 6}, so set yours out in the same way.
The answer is {"hour": 9, "minute": 0}
